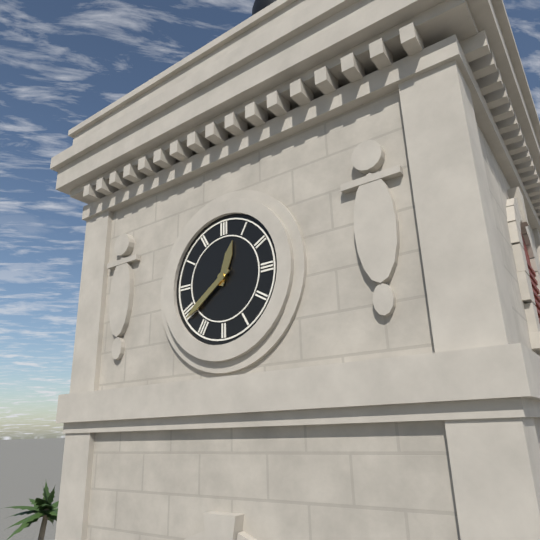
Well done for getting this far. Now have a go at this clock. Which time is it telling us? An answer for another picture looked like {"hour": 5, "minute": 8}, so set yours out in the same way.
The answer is {"hour": 12, "minute": 39}
